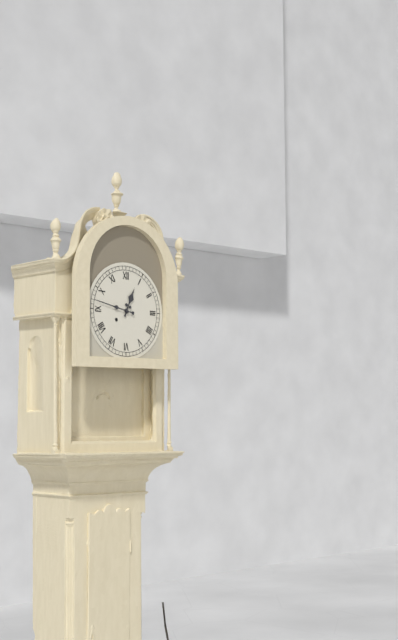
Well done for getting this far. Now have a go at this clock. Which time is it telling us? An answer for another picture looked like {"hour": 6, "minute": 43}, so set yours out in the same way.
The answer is {"hour": 12, "minute": 47}
